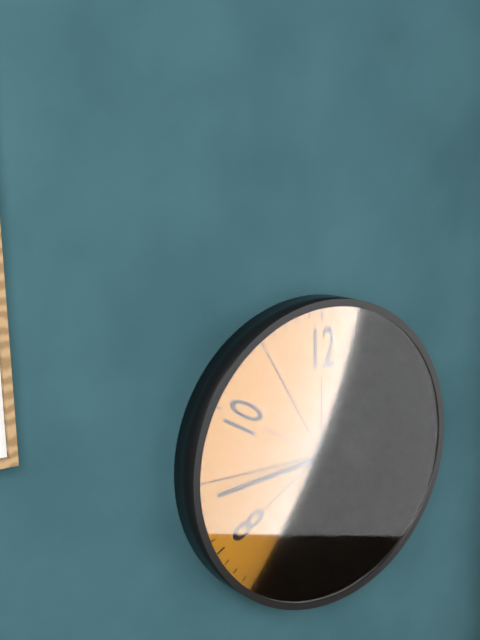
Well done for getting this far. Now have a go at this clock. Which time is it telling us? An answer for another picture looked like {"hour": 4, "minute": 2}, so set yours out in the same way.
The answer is {"hour": 6, "minute": 44}
